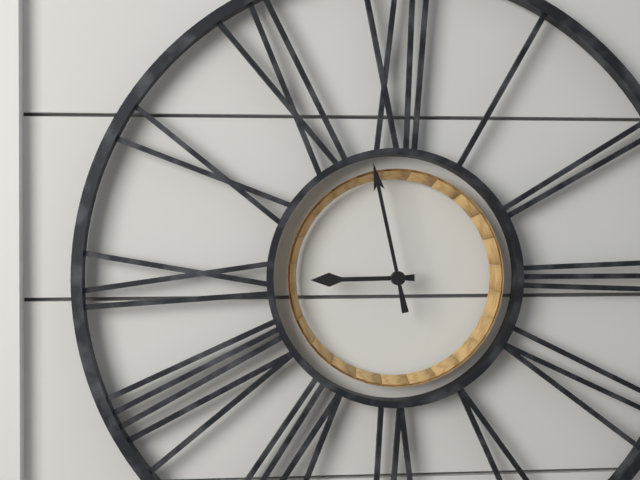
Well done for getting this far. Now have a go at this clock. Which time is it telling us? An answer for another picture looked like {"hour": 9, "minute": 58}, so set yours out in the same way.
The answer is {"hour": 8, "minute": 58}
